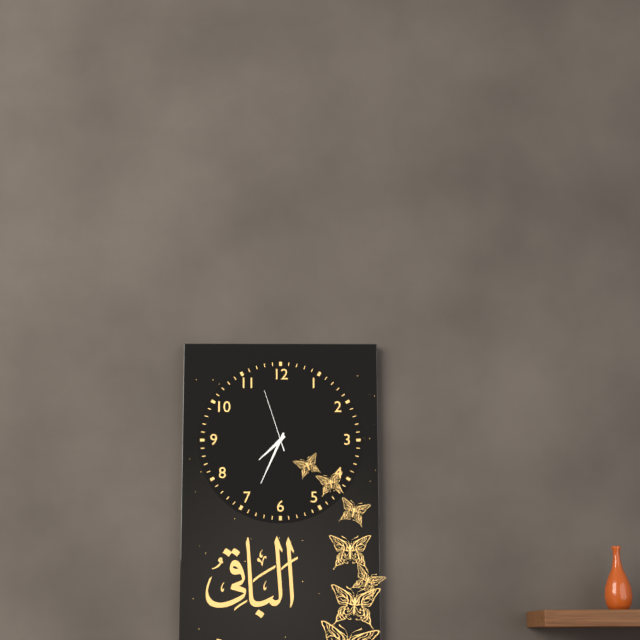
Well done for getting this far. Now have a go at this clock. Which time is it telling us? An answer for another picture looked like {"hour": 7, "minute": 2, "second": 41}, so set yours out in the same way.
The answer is {"hour": 7, "minute": 34, "second": 57}
